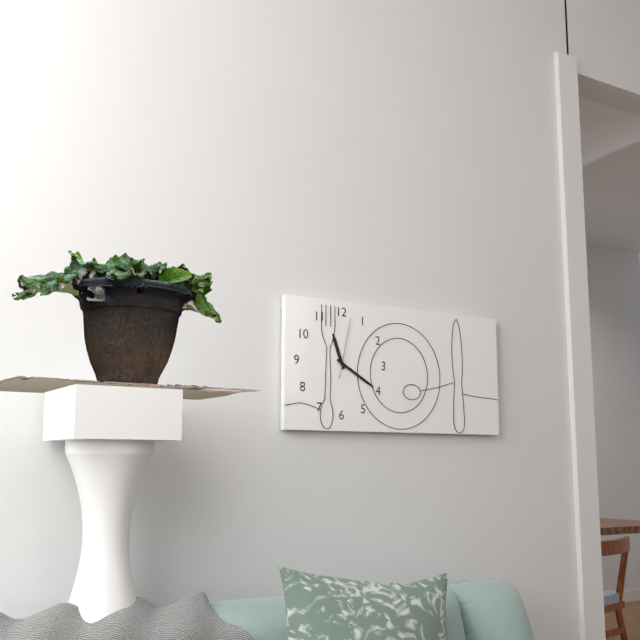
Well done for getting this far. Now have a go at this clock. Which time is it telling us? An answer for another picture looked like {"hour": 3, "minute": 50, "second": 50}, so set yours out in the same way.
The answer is {"hour": 11, "minute": 20, "second": 2}
